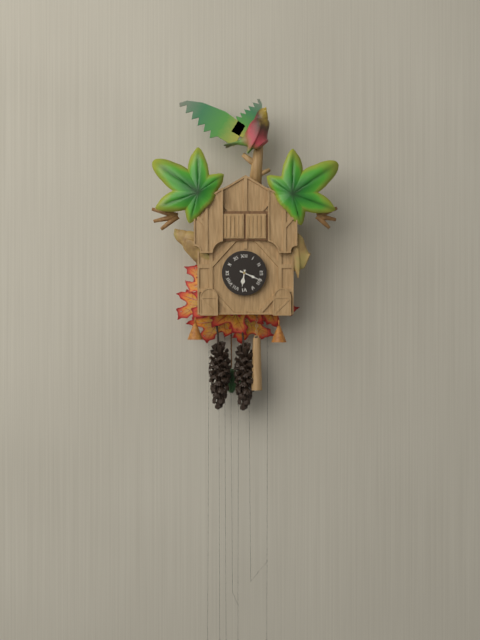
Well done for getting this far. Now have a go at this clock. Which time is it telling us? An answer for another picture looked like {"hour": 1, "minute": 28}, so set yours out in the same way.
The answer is {"hour": 6, "minute": 19}
